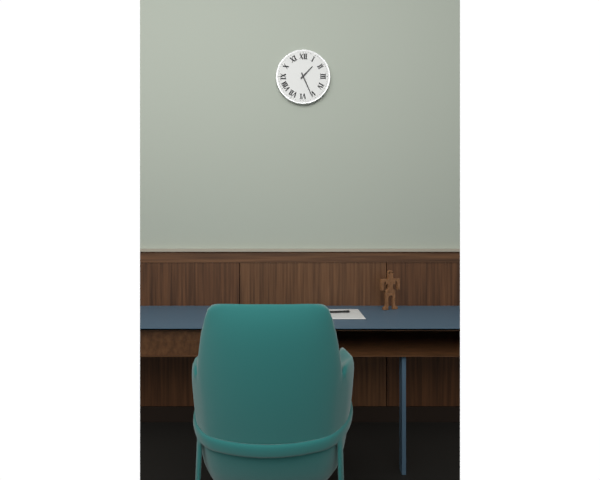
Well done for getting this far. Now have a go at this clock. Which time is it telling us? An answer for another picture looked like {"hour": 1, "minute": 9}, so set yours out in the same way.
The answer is {"hour": 1, "minute": 26}
